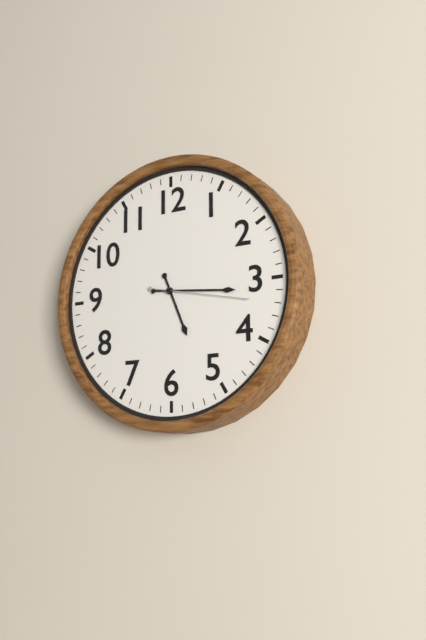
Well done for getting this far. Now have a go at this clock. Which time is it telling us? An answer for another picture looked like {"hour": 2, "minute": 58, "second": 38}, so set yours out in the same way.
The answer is {"hour": 5, "minute": 16, "second": 17}
